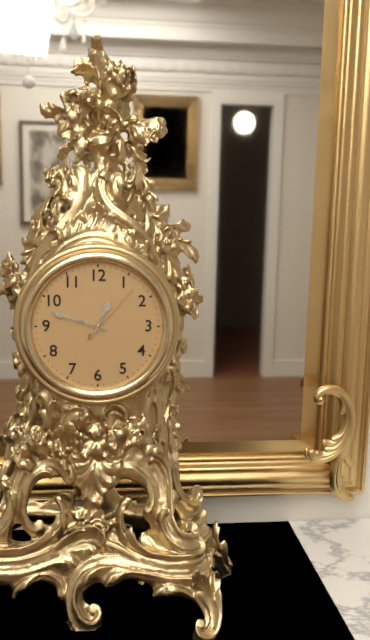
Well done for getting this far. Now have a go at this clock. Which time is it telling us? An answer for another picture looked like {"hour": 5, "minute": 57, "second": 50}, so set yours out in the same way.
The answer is {"hour": 12, "minute": 48, "second": 7}
